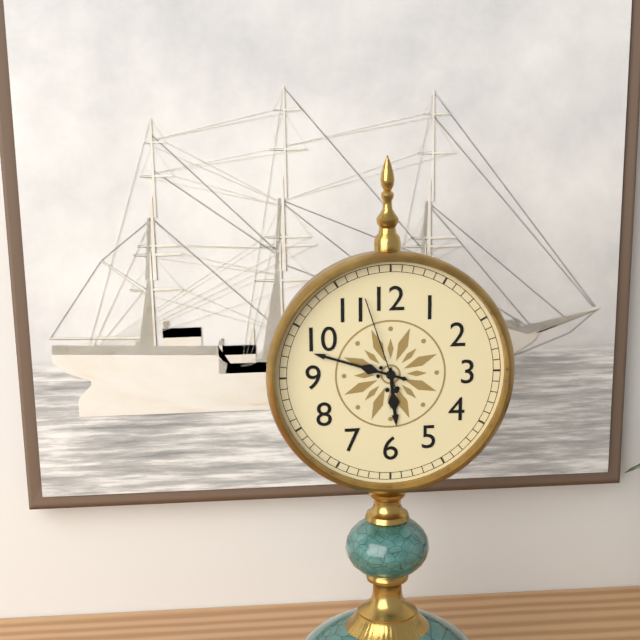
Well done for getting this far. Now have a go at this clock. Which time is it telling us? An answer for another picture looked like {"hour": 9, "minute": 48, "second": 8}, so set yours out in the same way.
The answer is {"hour": 5, "minute": 48, "second": 57}
